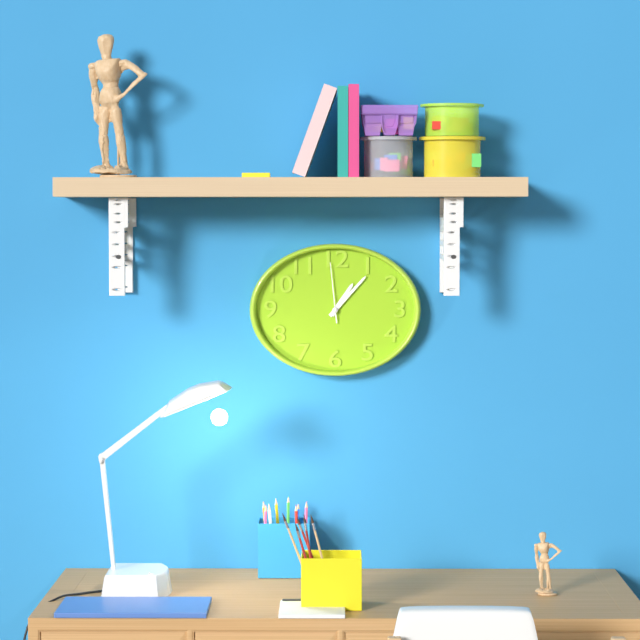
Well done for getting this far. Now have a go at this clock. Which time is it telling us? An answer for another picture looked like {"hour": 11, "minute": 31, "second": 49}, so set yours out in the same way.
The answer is {"hour": 1, "minute": 7, "second": 59}
